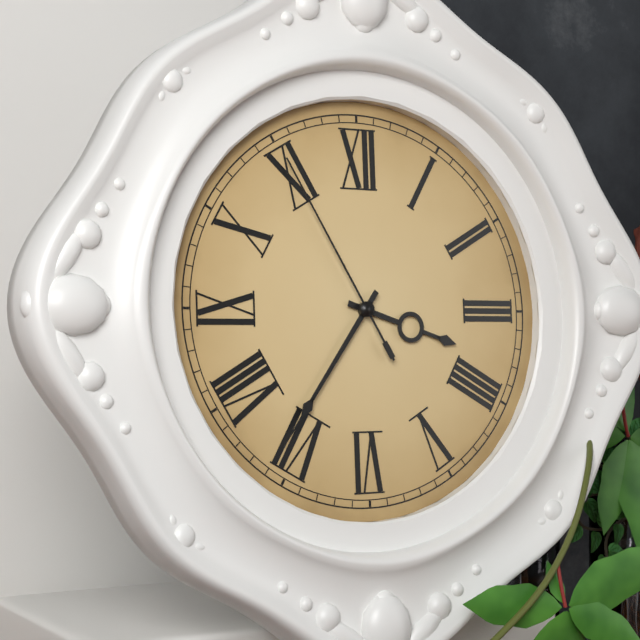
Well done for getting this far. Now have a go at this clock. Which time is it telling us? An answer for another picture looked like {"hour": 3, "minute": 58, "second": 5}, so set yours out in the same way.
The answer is {"hour": 3, "minute": 36, "second": 55}
